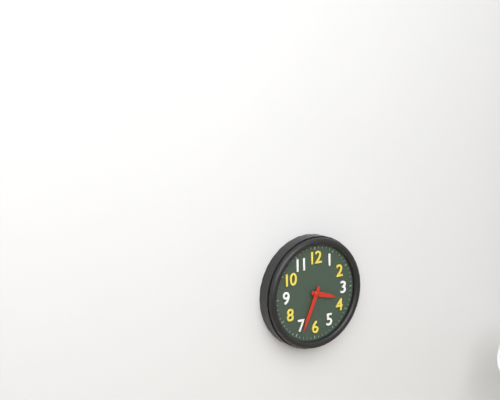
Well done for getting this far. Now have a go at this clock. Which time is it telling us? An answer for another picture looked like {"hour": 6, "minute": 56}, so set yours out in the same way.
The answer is {"hour": 3, "minute": 34}
